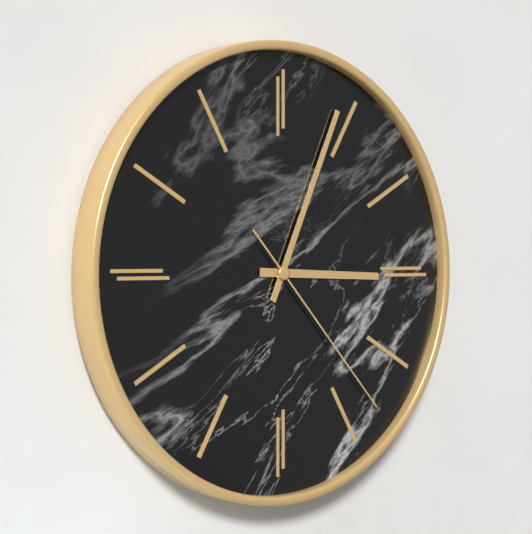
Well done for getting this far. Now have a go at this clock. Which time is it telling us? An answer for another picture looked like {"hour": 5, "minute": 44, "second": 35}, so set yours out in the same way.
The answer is {"hour": 3, "minute": 4, "second": 23}
